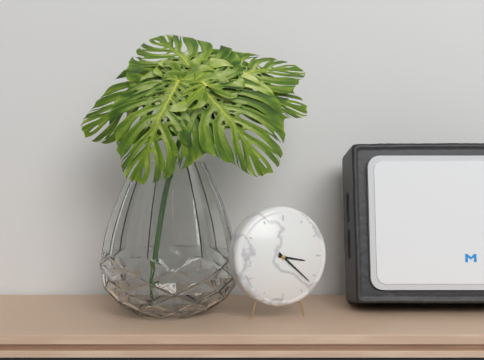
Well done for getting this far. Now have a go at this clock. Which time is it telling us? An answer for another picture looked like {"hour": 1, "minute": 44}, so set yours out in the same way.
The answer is {"hour": 3, "minute": 22}
